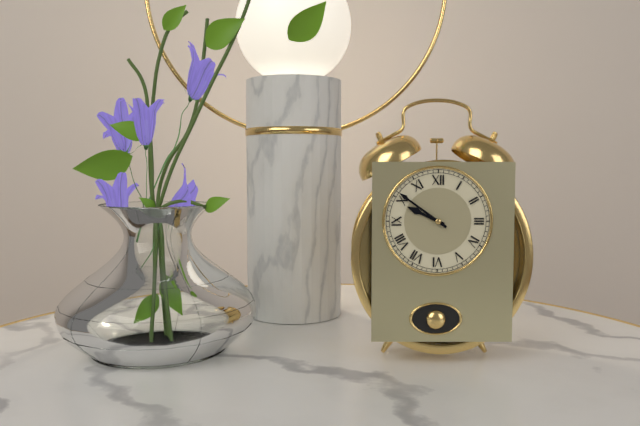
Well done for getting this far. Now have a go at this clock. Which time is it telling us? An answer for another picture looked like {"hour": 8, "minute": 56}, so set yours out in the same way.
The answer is {"hour": 9, "minute": 51}
